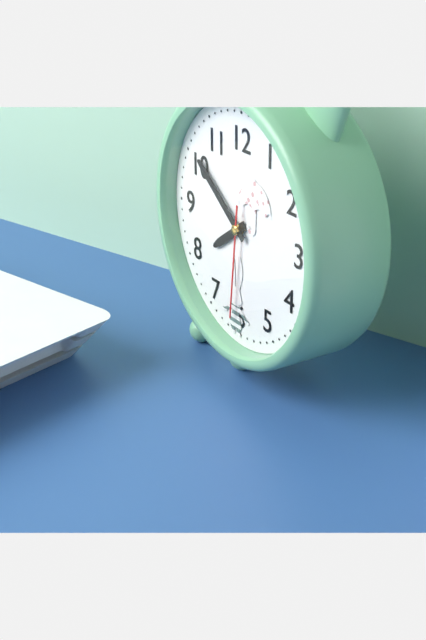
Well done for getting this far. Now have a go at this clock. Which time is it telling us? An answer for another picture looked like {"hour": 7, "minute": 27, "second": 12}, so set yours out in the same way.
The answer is {"hour": 7, "minute": 51, "second": 31}
